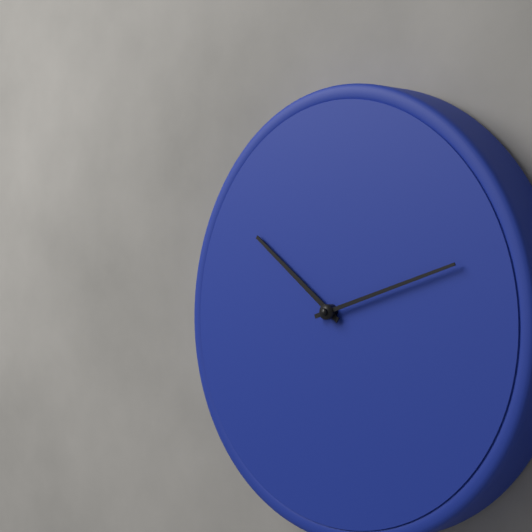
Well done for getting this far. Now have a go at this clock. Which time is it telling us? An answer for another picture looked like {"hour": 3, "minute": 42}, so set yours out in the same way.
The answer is {"hour": 10, "minute": 12}
